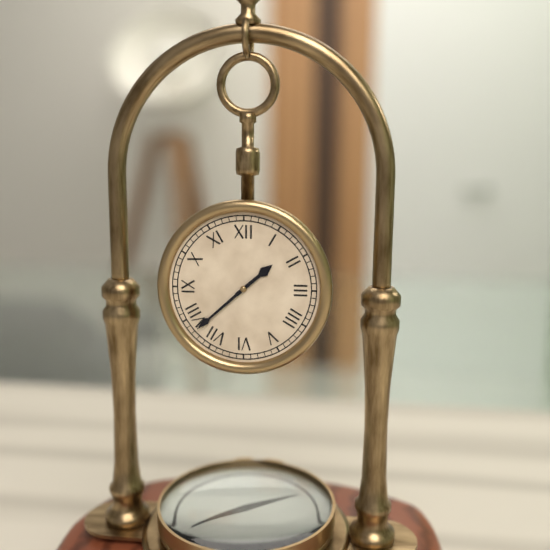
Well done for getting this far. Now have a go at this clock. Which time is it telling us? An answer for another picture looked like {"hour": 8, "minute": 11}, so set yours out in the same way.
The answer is {"hour": 1, "minute": 38}
